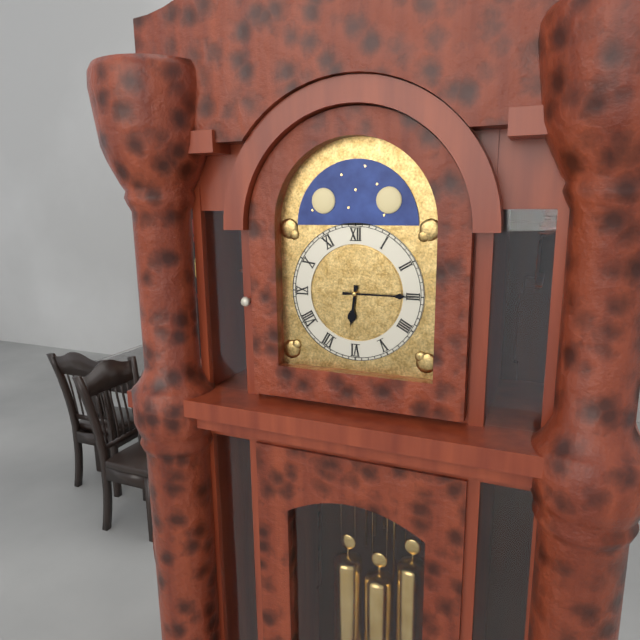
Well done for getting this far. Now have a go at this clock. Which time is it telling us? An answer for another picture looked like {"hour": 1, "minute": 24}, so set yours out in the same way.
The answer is {"hour": 6, "minute": 15}
